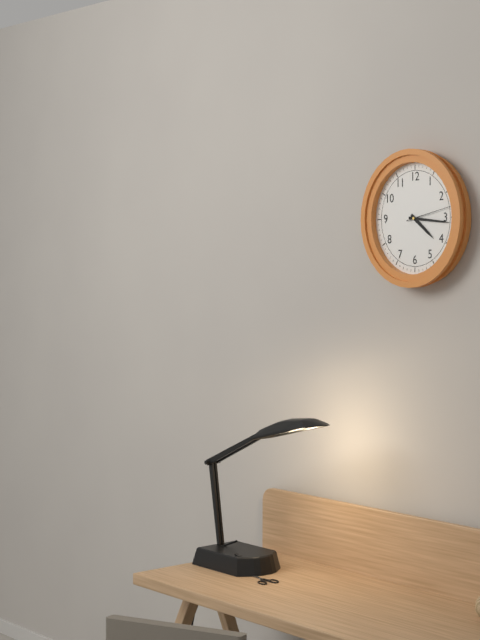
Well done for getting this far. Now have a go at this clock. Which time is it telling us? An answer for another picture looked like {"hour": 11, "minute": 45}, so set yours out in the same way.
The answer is {"hour": 4, "minute": 16}
